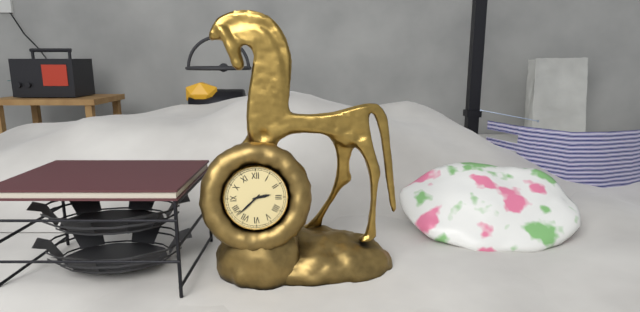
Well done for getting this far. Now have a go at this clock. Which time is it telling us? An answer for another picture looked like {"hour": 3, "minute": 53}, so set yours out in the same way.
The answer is {"hour": 2, "minute": 38}
